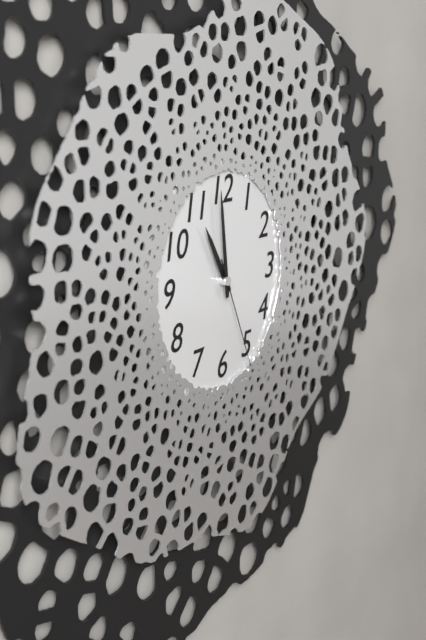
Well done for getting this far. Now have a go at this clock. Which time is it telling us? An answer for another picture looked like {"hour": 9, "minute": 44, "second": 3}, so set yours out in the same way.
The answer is {"hour": 10, "minute": 59, "second": 26}
